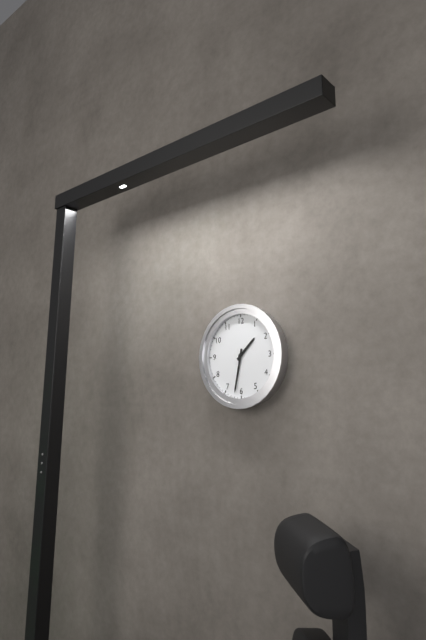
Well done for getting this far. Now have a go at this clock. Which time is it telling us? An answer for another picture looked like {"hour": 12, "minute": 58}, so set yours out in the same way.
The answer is {"hour": 1, "minute": 32}
